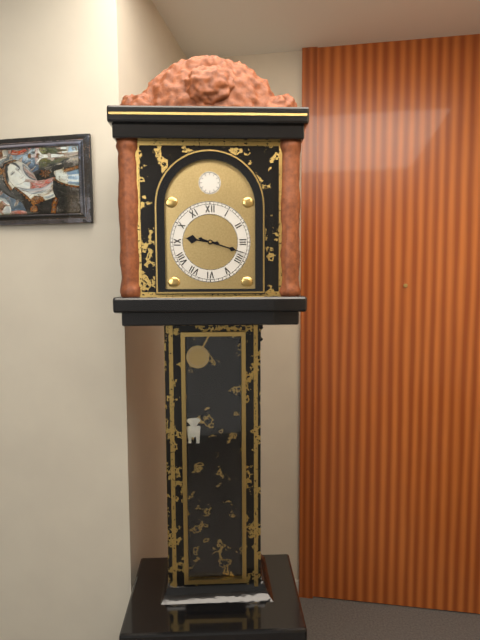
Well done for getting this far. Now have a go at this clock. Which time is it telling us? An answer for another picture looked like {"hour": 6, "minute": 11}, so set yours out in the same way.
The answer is {"hour": 9, "minute": 18}
